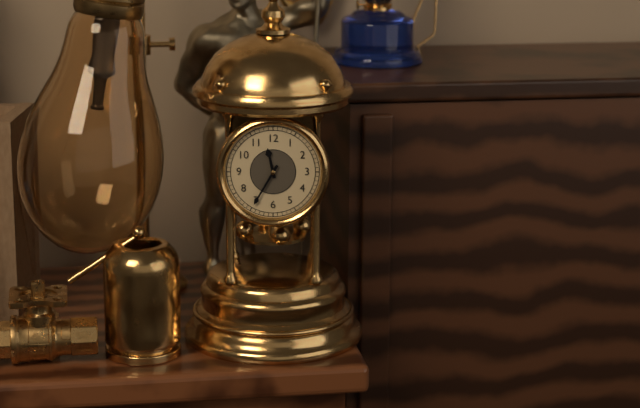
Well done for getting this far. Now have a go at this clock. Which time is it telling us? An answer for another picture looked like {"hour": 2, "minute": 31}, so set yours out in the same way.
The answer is {"hour": 11, "minute": 35}
